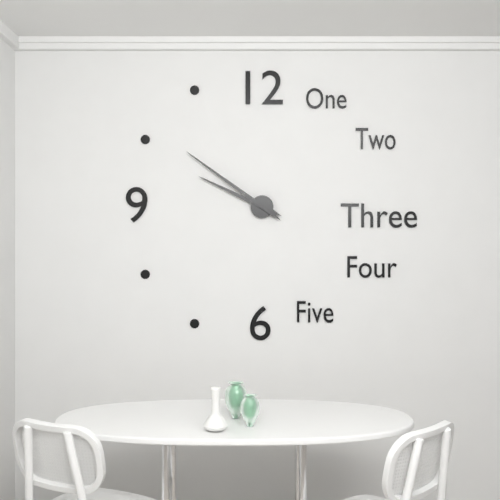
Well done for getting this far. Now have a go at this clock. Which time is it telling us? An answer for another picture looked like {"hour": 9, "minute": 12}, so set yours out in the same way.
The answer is {"hour": 9, "minute": 51}
